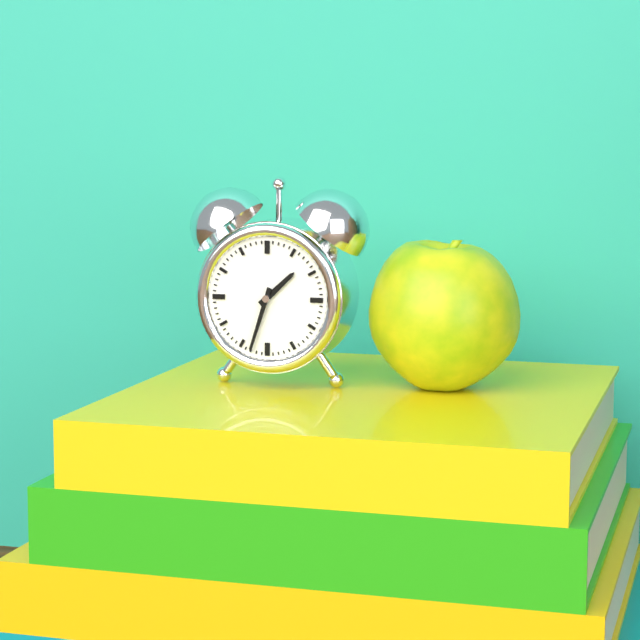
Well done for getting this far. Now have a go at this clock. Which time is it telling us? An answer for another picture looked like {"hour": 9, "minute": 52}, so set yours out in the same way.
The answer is {"hour": 1, "minute": 33}
